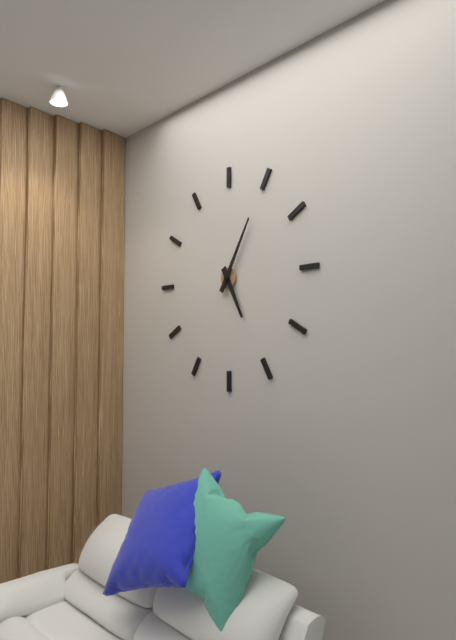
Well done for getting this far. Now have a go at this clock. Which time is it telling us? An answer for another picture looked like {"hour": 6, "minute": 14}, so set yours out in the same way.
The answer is {"hour": 5, "minute": 5}
